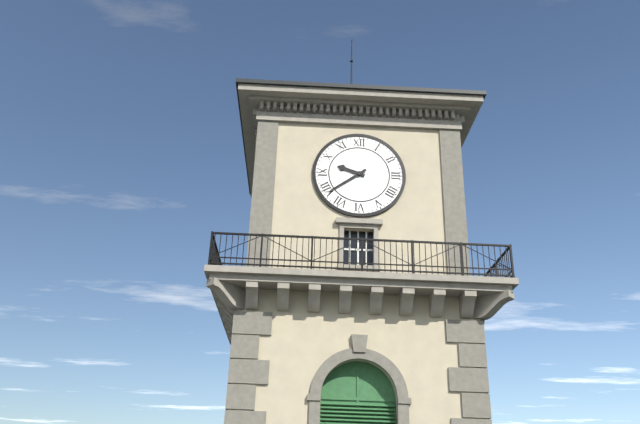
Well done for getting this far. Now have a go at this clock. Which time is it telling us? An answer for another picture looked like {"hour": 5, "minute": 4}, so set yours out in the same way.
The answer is {"hour": 9, "minute": 39}
